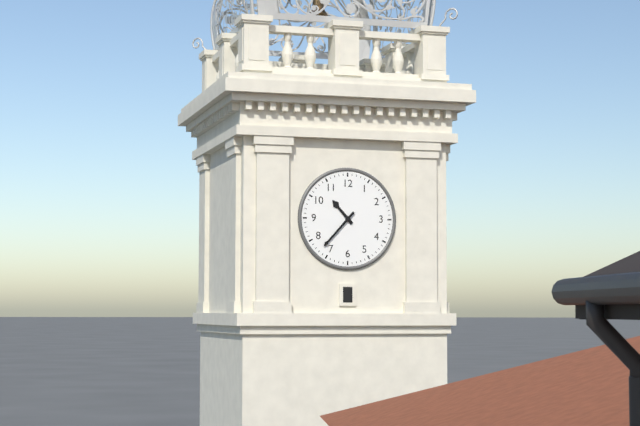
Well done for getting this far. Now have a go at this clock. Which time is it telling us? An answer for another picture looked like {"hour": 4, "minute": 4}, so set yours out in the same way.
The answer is {"hour": 10, "minute": 37}
